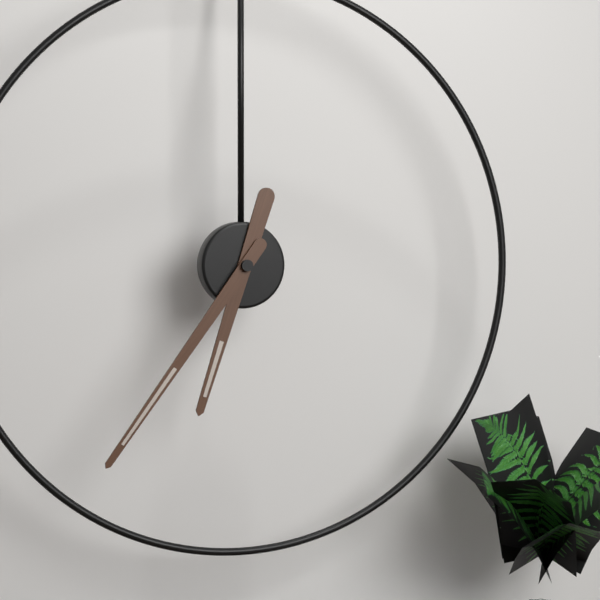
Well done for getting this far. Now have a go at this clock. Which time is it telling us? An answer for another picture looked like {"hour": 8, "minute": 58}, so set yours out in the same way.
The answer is {"hour": 6, "minute": 36}
